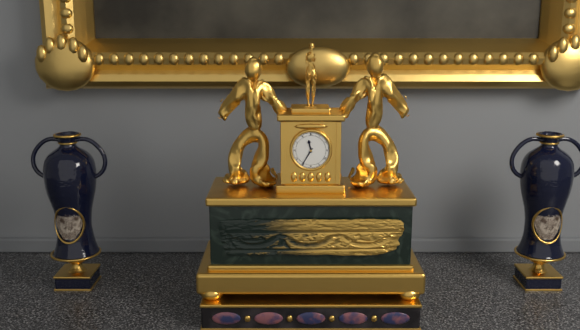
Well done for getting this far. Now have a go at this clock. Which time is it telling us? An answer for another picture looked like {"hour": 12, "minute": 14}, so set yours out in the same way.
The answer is {"hour": 11, "minute": 35}
